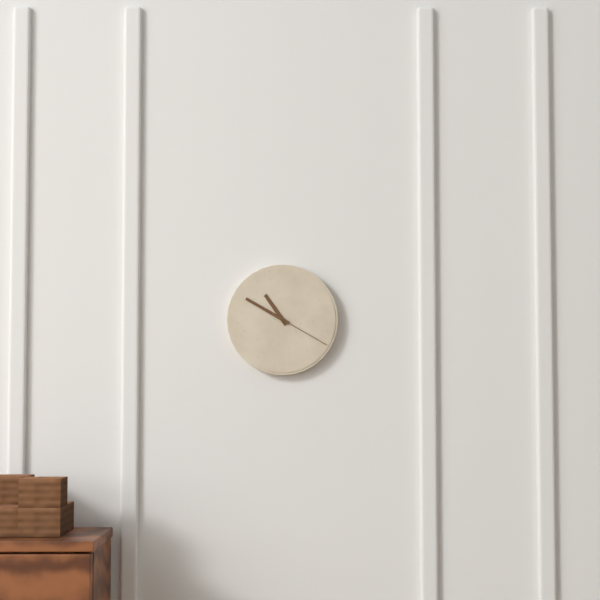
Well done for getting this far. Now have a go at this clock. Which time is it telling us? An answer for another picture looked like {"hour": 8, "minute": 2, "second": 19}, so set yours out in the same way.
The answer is {"hour": 10, "minute": 50, "second": 20}
